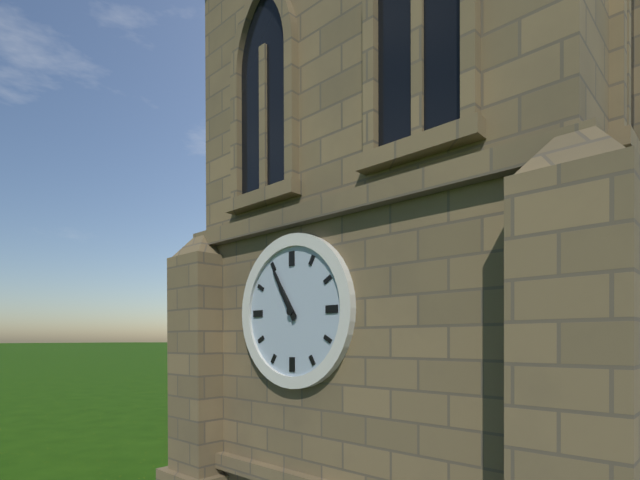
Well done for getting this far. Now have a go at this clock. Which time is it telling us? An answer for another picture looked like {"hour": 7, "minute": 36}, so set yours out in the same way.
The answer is {"hour": 10, "minute": 55}
